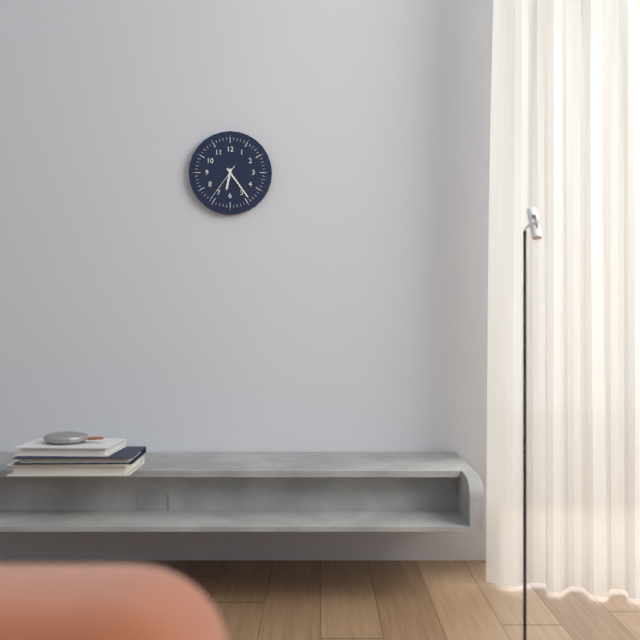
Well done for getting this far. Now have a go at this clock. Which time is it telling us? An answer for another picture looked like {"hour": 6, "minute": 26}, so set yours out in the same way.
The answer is {"hour": 6, "minute": 24}
